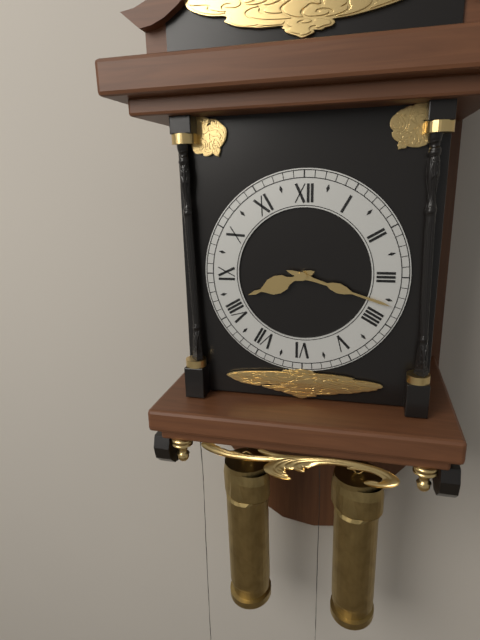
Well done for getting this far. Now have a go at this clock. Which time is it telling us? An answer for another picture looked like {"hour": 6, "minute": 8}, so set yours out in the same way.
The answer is {"hour": 8, "minute": 18}
